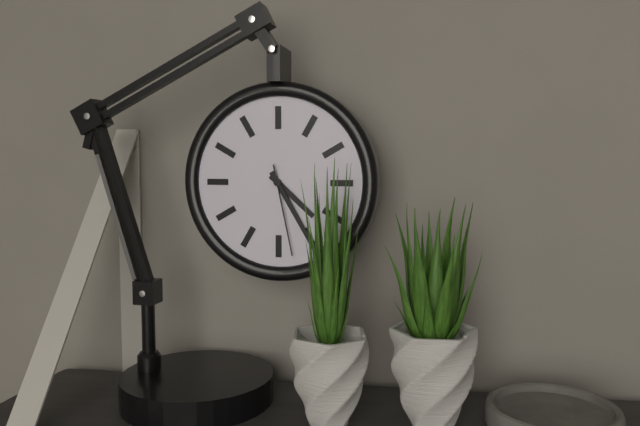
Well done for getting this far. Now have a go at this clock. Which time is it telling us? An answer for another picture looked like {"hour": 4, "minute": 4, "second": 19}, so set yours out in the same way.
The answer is {"hour": 4, "minute": 25, "second": 28}
